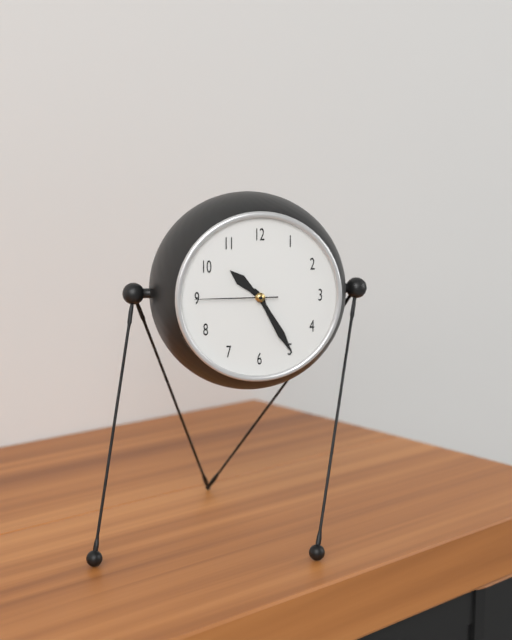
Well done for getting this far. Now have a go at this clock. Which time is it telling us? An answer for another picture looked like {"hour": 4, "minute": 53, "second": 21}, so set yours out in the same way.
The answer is {"hour": 10, "minute": 25, "second": 45}
